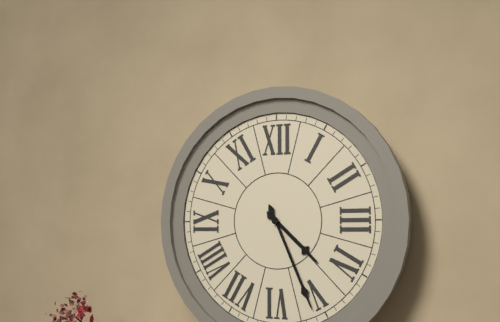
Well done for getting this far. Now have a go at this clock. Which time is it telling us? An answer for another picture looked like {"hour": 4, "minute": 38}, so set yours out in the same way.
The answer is {"hour": 4, "minute": 26}
